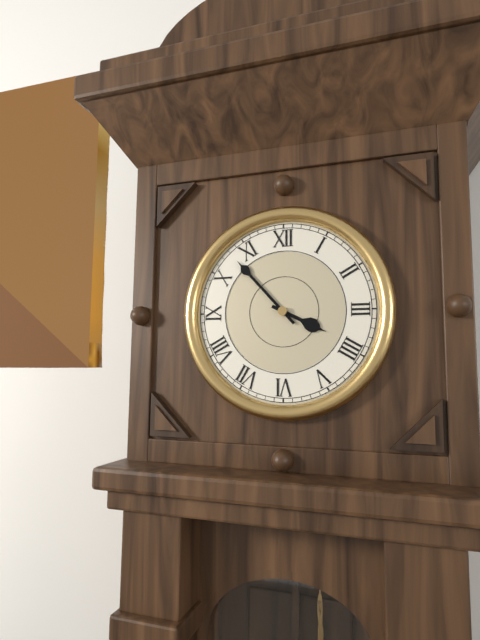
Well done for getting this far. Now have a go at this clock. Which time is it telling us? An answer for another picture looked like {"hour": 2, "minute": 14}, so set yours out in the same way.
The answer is {"hour": 3, "minute": 53}
